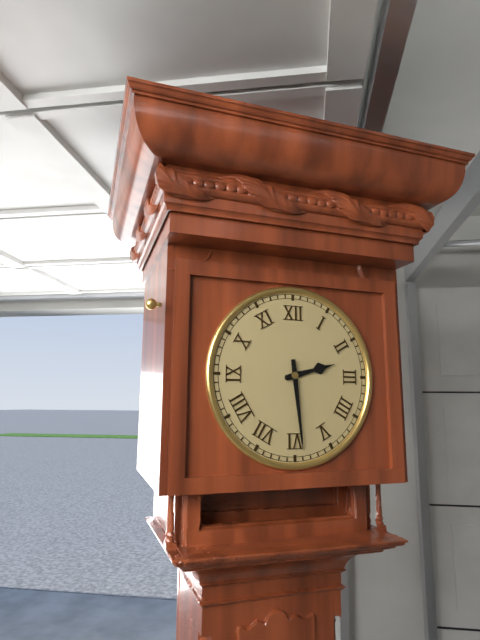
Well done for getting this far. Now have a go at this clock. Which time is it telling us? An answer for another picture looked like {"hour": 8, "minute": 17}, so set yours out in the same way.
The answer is {"hour": 2, "minute": 29}
